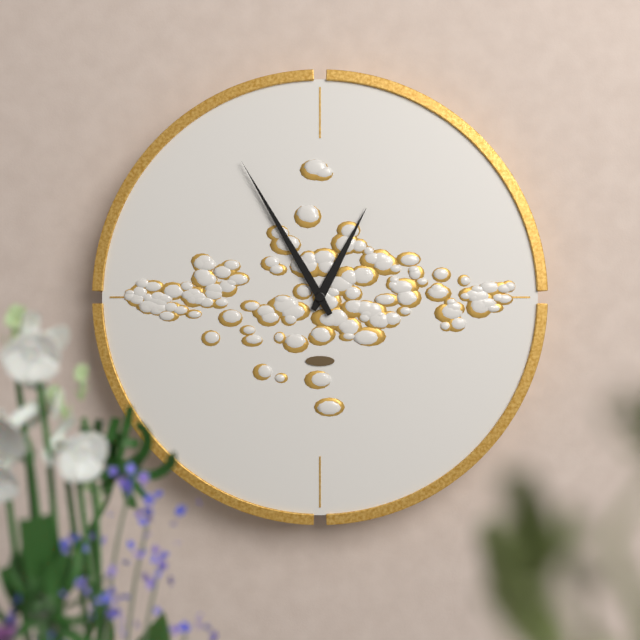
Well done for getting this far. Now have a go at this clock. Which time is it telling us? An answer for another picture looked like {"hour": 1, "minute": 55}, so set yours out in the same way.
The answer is {"hour": 12, "minute": 55}
